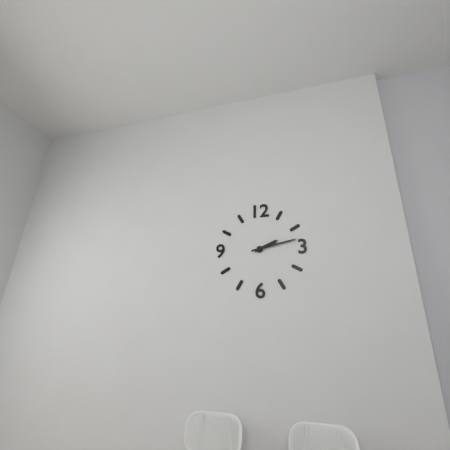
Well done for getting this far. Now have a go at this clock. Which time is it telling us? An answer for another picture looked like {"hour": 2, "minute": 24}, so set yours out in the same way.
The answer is {"hour": 2, "minute": 13}
